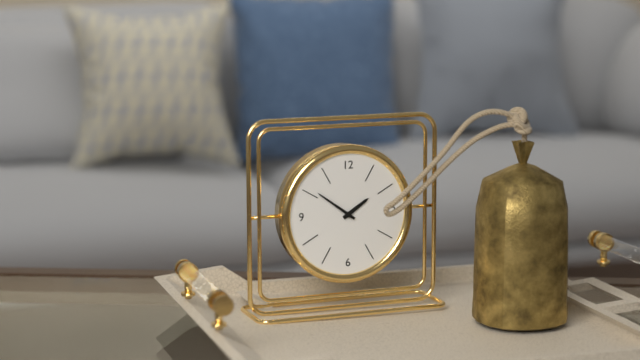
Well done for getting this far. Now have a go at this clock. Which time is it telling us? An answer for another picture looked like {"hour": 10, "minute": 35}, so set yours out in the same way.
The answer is {"hour": 1, "minute": 51}
